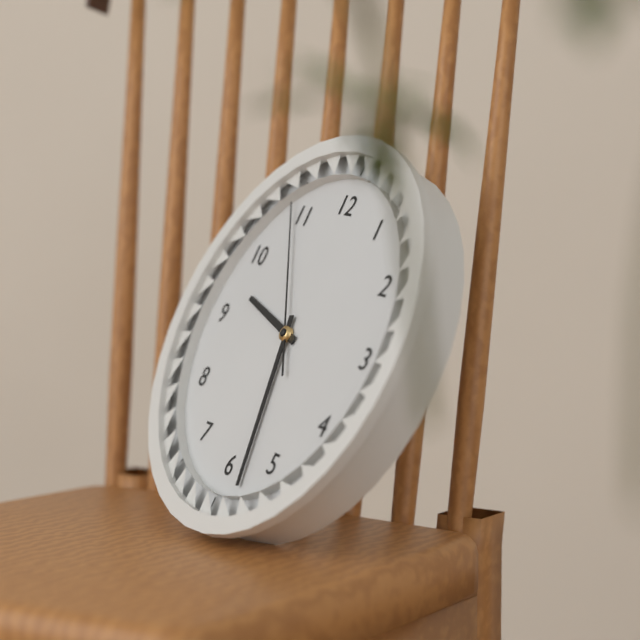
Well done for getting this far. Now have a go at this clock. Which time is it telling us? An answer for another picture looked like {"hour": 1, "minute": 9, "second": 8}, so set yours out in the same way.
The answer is {"hour": 9, "minute": 28, "second": 54}
